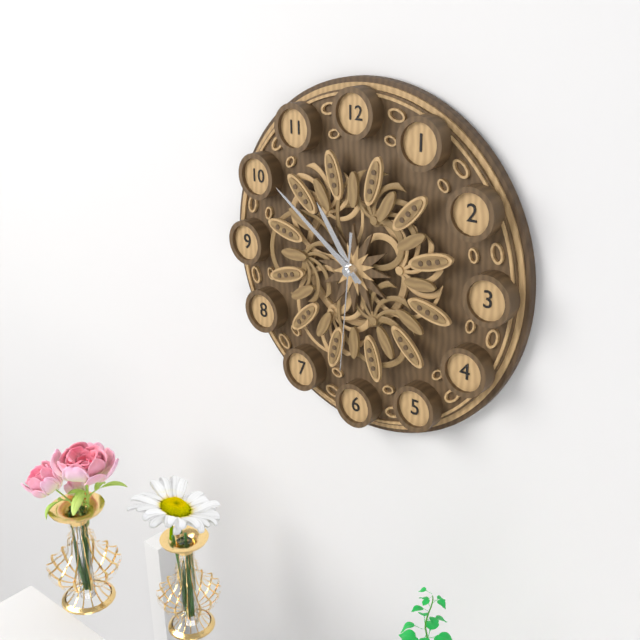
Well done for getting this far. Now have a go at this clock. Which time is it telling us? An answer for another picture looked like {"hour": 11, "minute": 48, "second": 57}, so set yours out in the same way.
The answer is {"hour": 10, "minute": 51, "second": 31}
